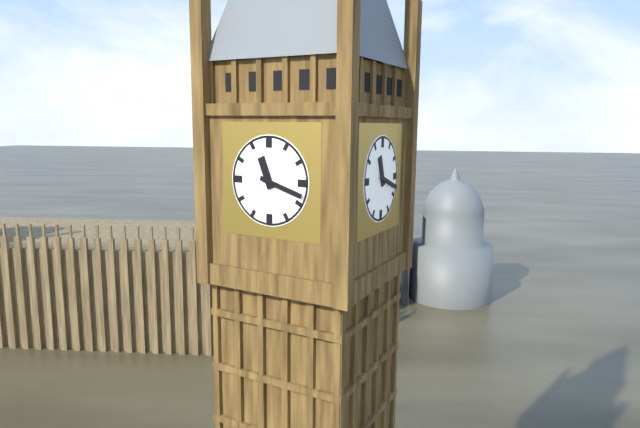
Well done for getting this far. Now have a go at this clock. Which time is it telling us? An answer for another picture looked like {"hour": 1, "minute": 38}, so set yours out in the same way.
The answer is {"hour": 11, "minute": 18}
